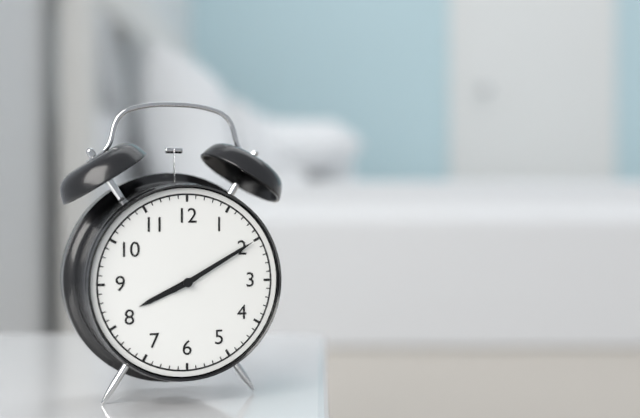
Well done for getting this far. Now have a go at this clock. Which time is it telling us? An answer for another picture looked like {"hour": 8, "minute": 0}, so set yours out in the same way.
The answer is {"hour": 8, "minute": 10}
